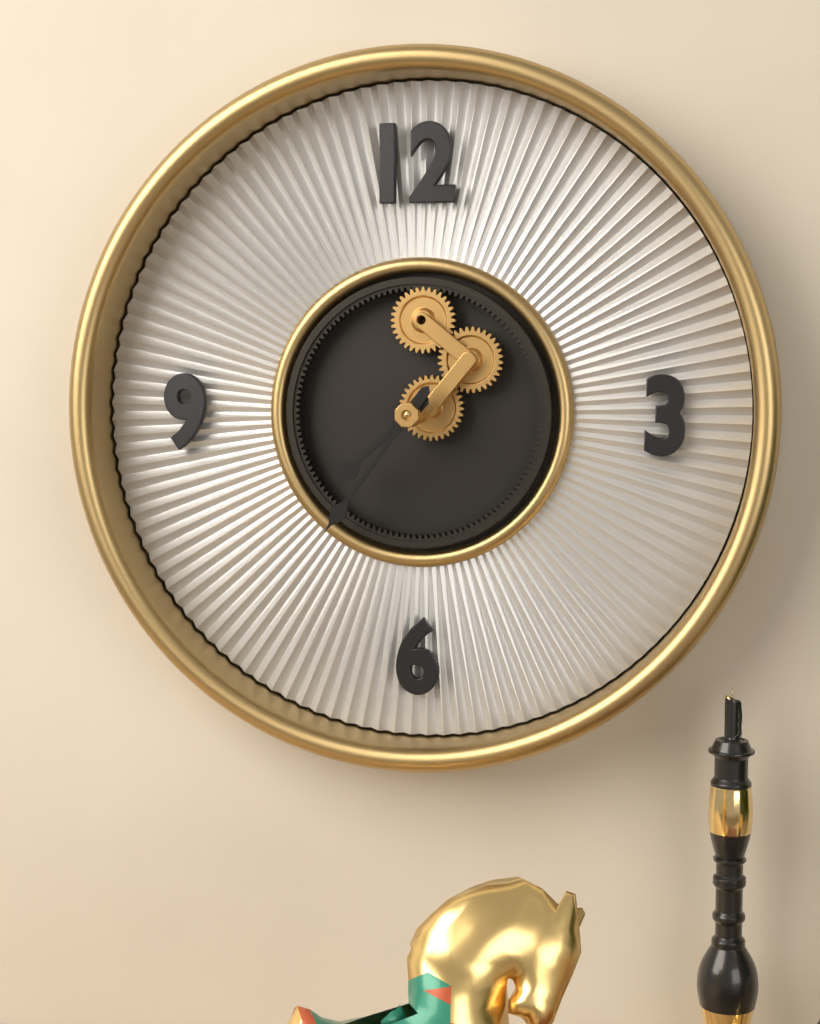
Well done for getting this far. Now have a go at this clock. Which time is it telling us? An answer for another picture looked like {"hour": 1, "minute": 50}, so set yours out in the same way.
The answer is {"hour": 7, "minute": 36}
